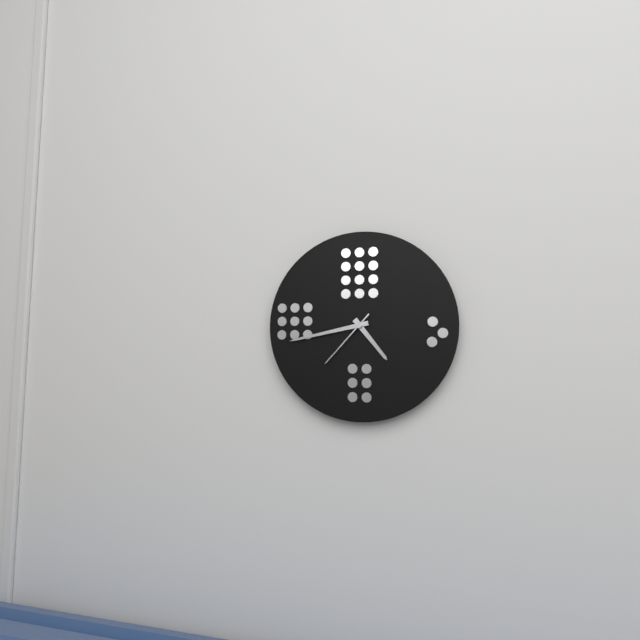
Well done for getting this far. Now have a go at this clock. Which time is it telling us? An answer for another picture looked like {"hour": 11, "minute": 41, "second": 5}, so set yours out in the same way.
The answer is {"hour": 4, "minute": 43, "second": 37}
